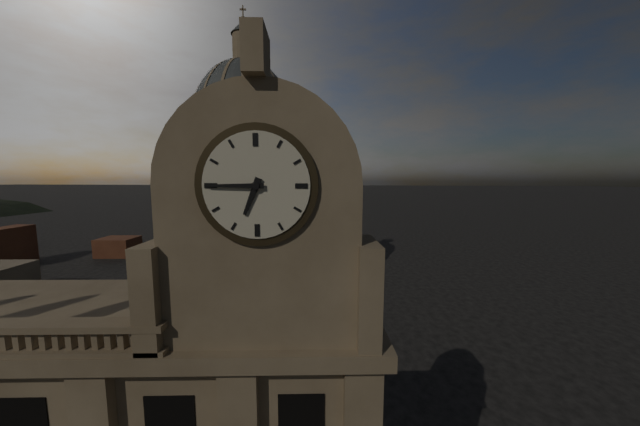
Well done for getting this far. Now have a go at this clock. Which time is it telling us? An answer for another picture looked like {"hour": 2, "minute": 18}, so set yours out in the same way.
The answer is {"hour": 6, "minute": 45}
